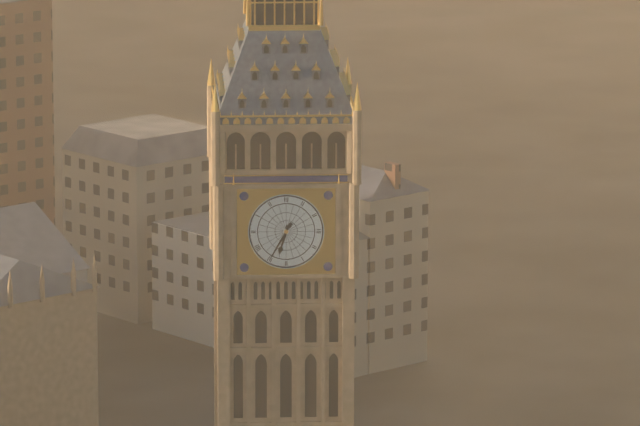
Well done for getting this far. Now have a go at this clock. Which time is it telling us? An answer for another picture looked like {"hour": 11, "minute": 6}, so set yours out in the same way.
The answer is {"hour": 6, "minute": 35}
